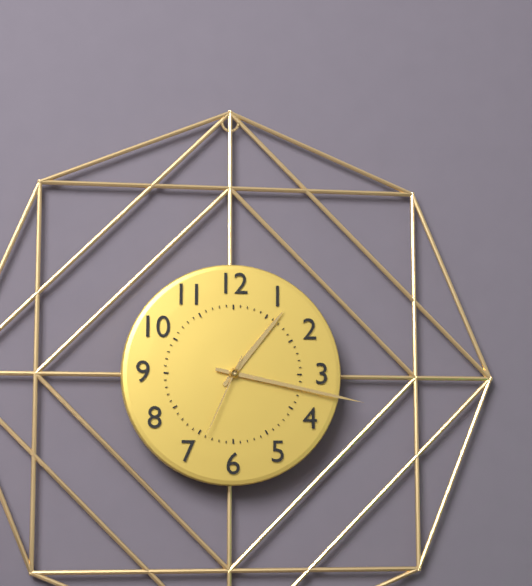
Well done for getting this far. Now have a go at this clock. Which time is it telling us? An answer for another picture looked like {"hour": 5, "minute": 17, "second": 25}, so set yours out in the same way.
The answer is {"hour": 1, "minute": 17, "second": 34}
